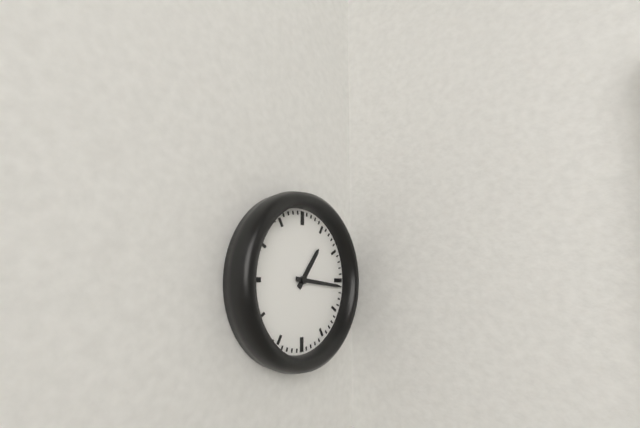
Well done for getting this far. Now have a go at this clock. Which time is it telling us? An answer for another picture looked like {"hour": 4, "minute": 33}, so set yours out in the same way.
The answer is {"hour": 1, "minute": 16}
